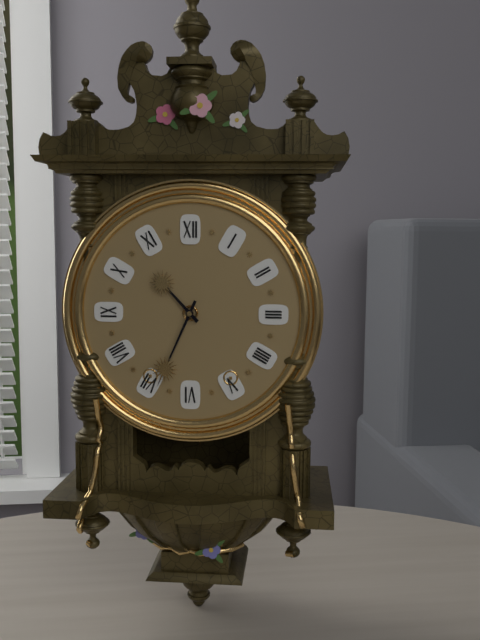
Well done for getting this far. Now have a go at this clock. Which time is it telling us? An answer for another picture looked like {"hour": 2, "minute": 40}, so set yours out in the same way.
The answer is {"hour": 10, "minute": 34}
